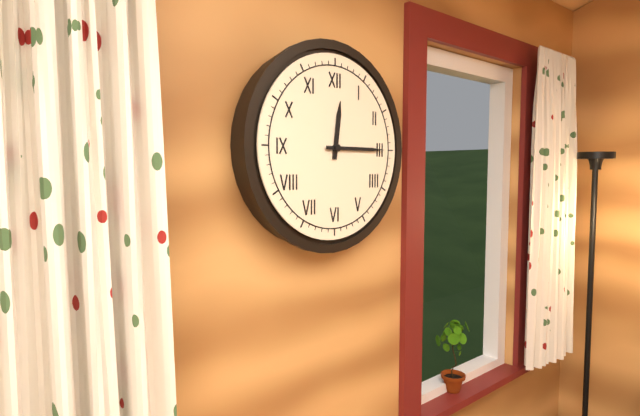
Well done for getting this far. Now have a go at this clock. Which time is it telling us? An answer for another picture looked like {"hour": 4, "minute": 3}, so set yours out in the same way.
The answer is {"hour": 12, "minute": 15}
